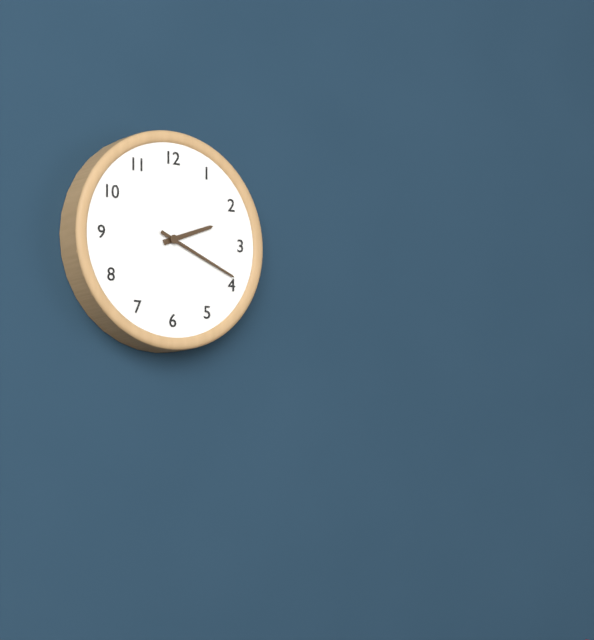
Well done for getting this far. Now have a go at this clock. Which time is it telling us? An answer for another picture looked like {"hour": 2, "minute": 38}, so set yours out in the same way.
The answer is {"hour": 2, "minute": 19}
